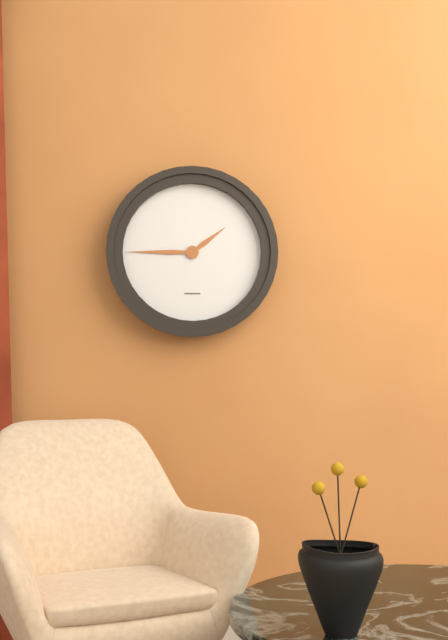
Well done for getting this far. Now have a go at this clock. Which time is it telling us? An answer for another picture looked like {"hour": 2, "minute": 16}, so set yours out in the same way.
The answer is {"hour": 1, "minute": 45}
